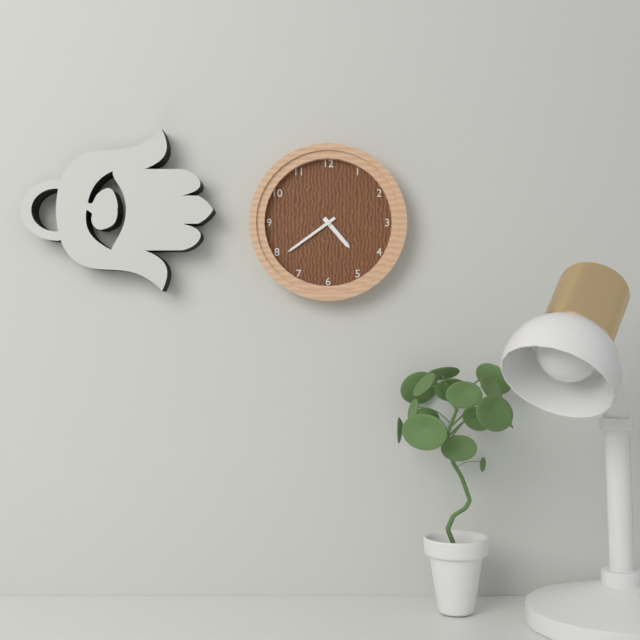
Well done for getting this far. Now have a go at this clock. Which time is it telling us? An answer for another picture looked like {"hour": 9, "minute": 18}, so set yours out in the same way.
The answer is {"hour": 4, "minute": 39}
